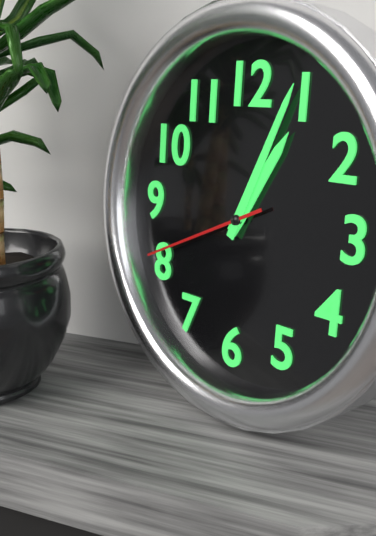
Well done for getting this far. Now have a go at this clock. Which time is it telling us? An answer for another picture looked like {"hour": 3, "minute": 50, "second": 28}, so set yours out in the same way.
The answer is {"hour": 1, "minute": 4, "second": 41}
